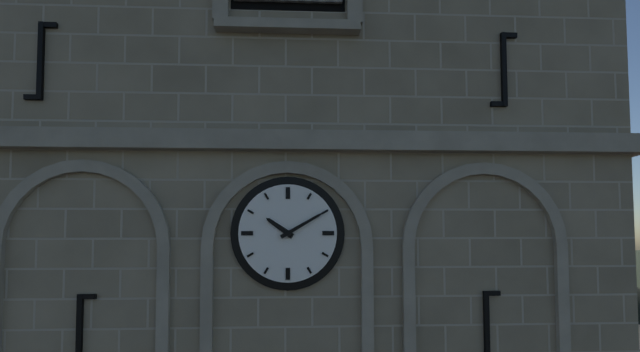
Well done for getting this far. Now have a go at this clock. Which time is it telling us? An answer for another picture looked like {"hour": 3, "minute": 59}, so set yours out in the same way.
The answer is {"hour": 10, "minute": 10}
